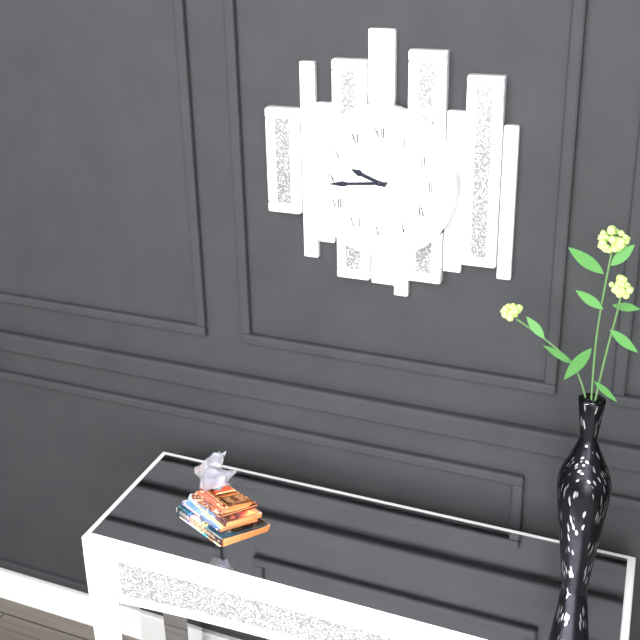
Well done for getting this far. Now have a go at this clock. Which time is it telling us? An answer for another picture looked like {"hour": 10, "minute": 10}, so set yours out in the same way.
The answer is {"hour": 9, "minute": 44}
